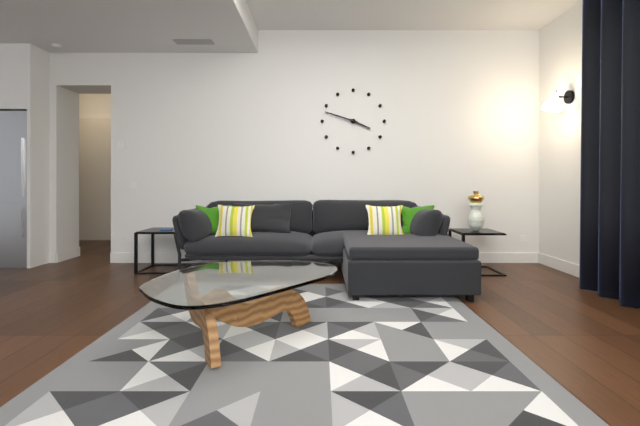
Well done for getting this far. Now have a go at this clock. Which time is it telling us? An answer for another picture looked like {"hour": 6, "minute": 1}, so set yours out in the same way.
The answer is {"hour": 3, "minute": 48}
